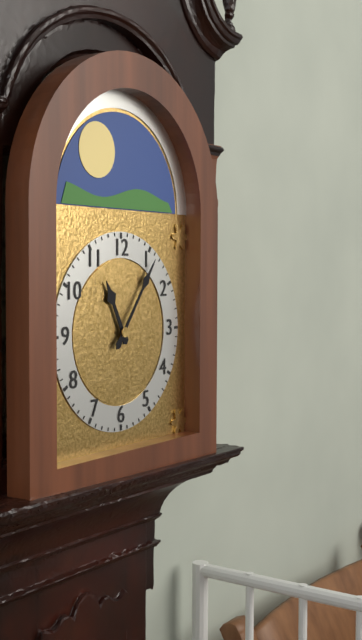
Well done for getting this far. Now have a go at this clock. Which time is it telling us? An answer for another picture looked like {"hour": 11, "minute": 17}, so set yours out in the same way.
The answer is {"hour": 11, "minute": 6}
